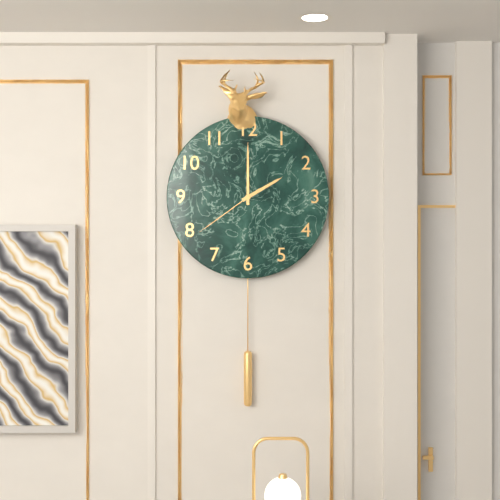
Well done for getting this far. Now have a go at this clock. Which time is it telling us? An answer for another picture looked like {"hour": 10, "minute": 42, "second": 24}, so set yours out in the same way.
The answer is {"hour": 2, "minute": 0, "second": 39}
